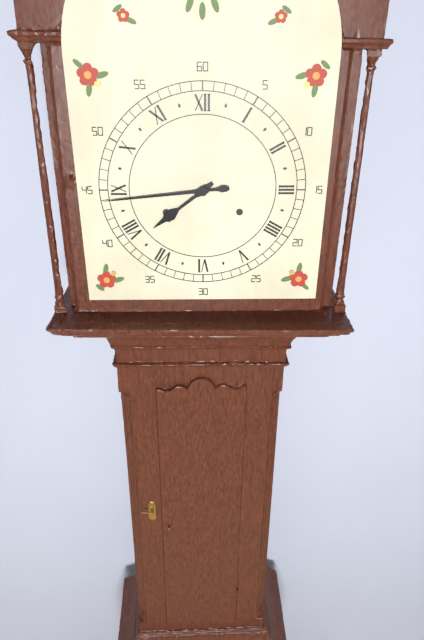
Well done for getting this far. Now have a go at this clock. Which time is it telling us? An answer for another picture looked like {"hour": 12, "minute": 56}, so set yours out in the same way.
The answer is {"hour": 7, "minute": 44}
